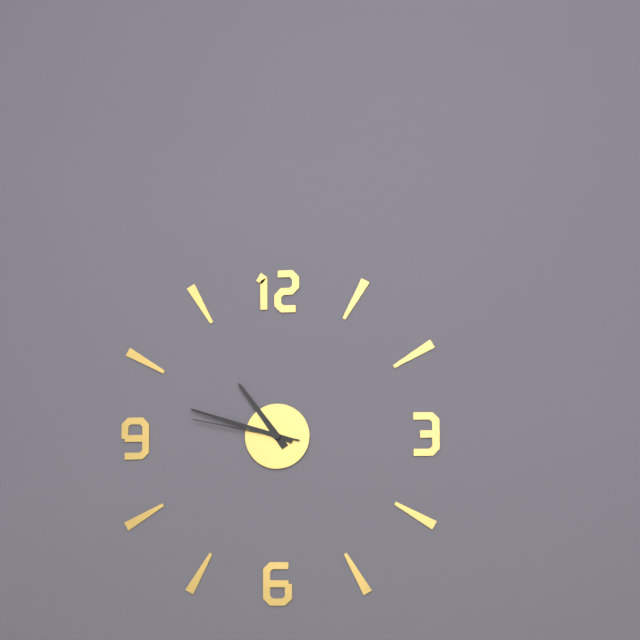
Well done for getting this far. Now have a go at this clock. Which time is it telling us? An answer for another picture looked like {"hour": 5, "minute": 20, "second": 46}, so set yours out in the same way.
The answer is {"hour": 10, "minute": 48, "second": 47}
